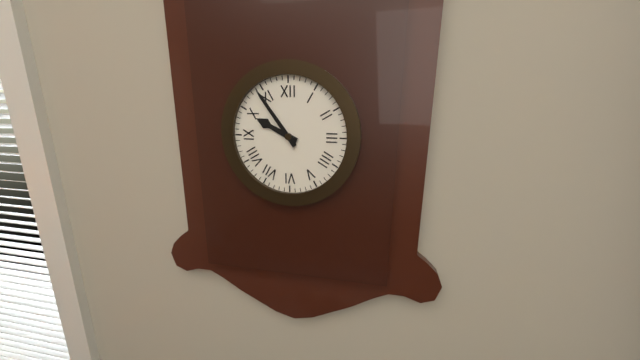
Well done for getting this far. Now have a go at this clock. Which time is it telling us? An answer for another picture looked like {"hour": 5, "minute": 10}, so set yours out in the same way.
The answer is {"hour": 9, "minute": 54}
